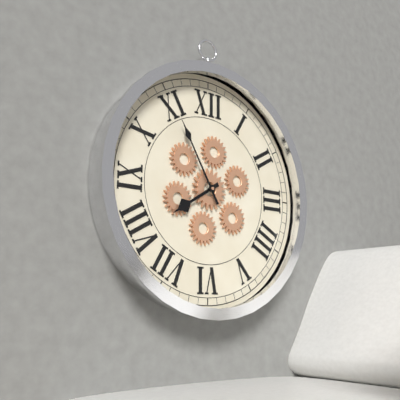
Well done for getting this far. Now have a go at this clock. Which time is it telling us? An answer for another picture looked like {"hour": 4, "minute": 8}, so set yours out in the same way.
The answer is {"hour": 7, "minute": 55}
